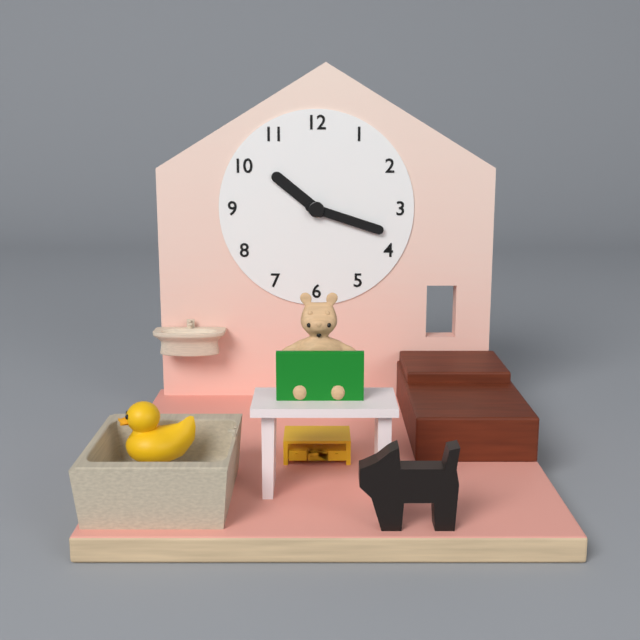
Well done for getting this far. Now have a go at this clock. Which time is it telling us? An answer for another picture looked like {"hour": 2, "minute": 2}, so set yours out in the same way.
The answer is {"hour": 10, "minute": 18}
